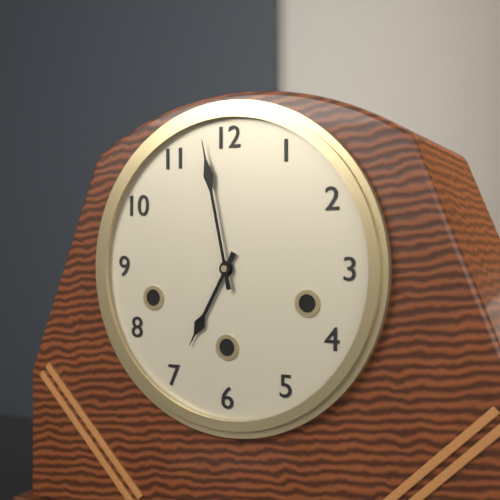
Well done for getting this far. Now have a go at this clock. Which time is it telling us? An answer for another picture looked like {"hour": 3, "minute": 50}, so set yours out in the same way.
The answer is {"hour": 6, "minute": 58}
